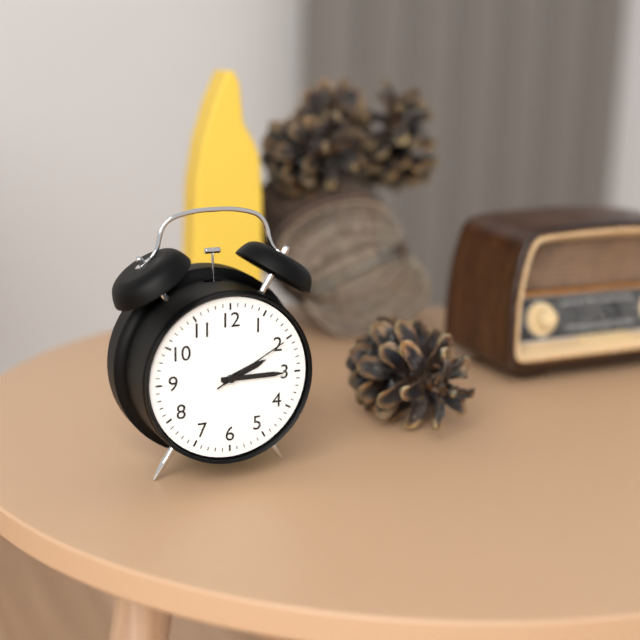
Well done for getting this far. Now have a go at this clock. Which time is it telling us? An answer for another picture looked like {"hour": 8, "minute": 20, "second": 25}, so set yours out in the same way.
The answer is {"hour": 2, "minute": 15, "second": 10}
